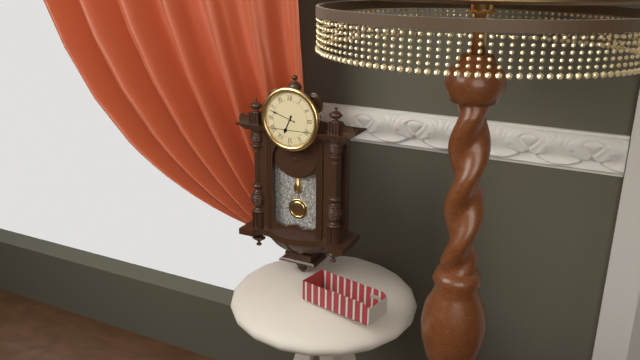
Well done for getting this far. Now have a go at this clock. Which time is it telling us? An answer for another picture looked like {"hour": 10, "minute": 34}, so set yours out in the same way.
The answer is {"hour": 6, "minute": 48}
